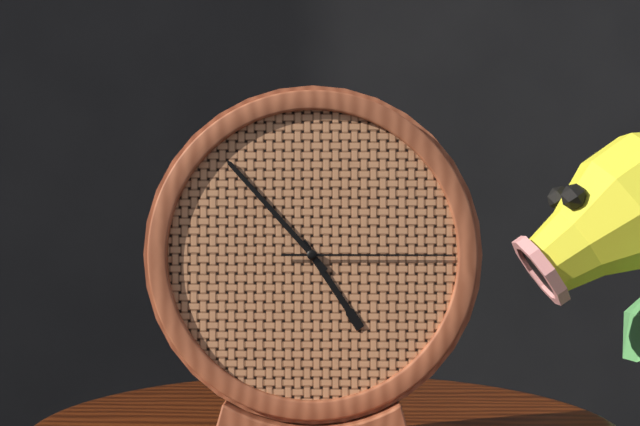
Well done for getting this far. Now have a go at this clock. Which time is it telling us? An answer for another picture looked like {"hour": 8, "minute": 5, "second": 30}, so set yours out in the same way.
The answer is {"hour": 4, "minute": 53, "second": 15}
